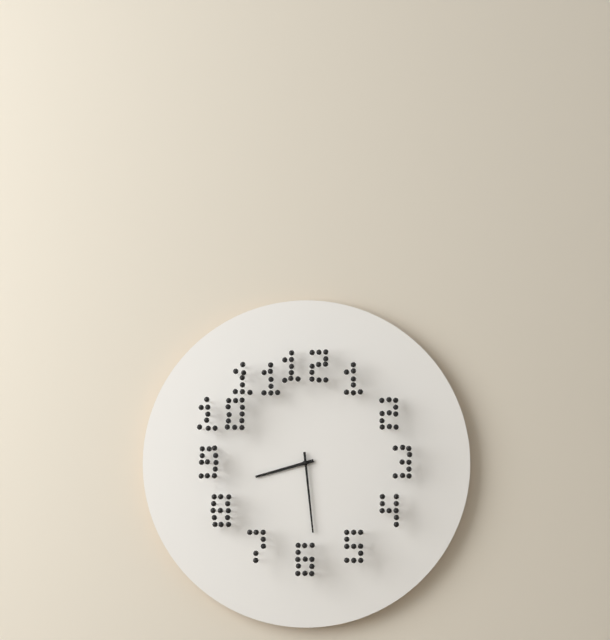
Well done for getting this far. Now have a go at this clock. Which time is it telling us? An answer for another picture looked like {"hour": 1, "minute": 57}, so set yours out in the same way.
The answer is {"hour": 8, "minute": 29}
